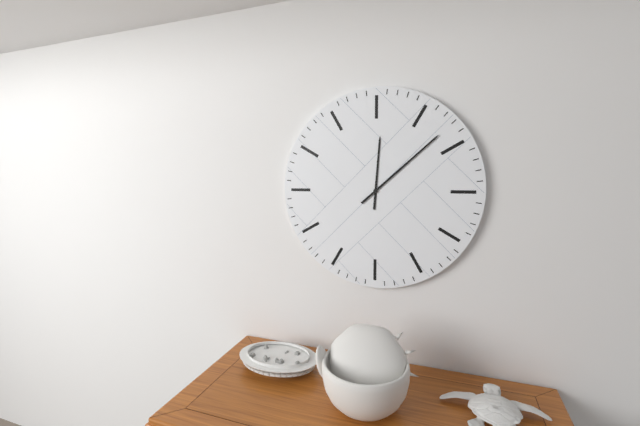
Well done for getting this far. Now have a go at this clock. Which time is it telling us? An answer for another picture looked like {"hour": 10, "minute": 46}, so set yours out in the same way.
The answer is {"hour": 12, "minute": 8}
